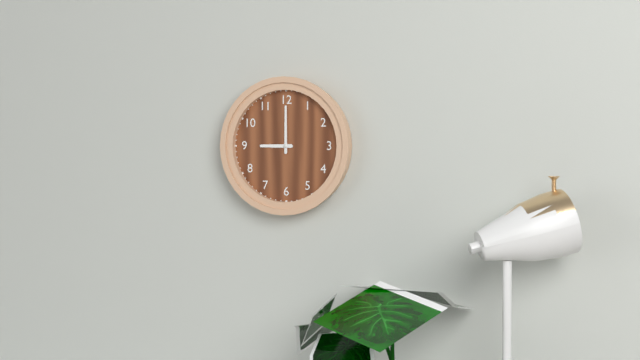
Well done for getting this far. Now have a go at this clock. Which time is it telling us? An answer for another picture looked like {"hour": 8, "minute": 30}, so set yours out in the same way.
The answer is {"hour": 9, "minute": 0}
